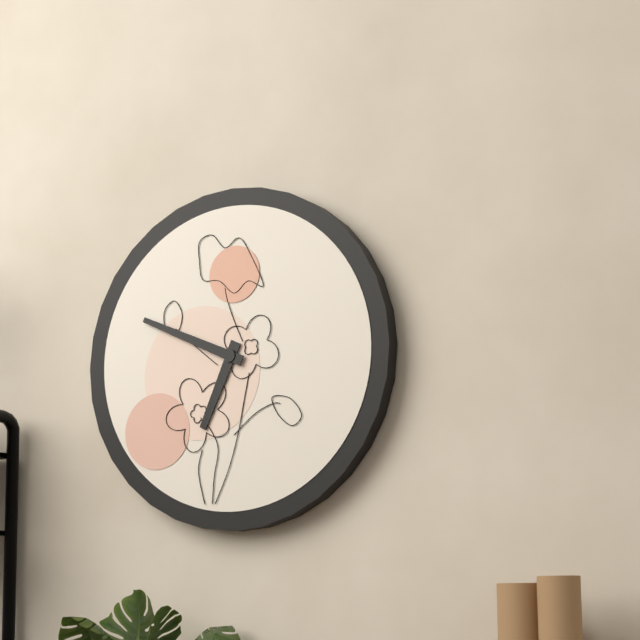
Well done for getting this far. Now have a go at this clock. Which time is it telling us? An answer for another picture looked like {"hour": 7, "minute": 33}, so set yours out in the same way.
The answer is {"hour": 6, "minute": 49}
